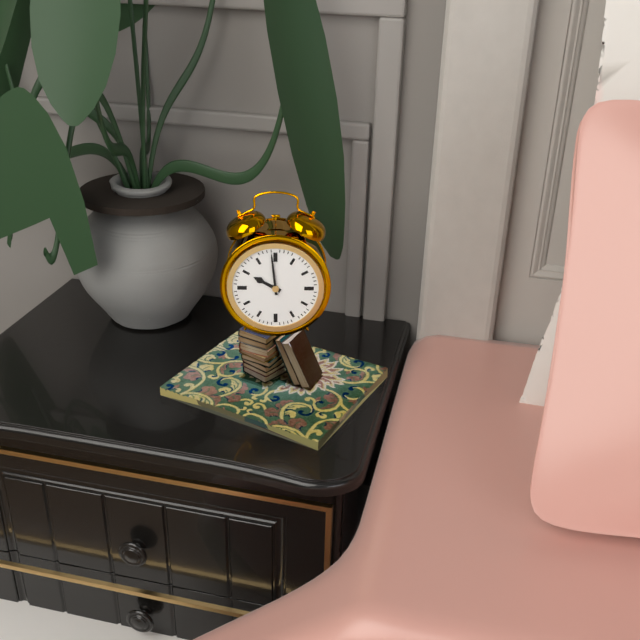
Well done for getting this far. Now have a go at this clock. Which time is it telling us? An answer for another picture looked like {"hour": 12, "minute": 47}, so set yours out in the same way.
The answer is {"hour": 9, "minute": 59}
